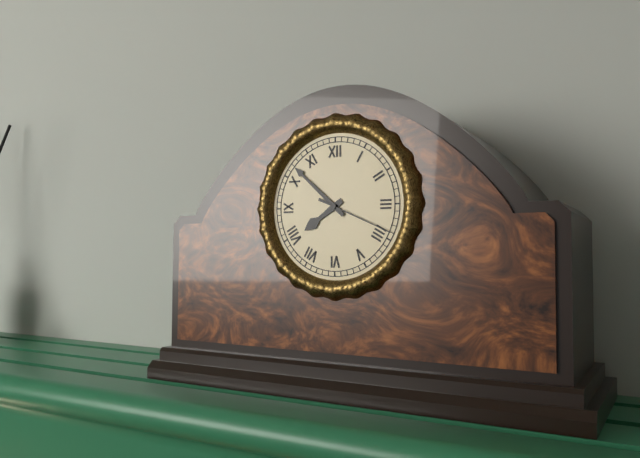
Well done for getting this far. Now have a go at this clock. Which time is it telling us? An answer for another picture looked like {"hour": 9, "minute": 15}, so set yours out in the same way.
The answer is {"hour": 7, "minute": 52}
